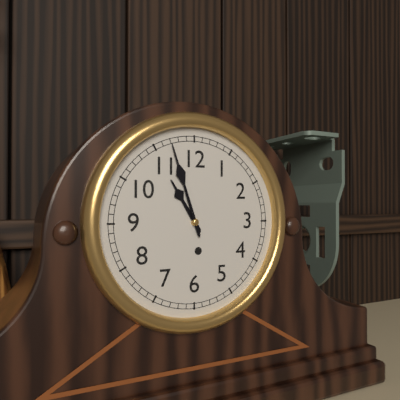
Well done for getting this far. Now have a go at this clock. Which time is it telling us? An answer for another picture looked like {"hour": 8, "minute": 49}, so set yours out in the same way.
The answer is {"hour": 10, "minute": 57}
